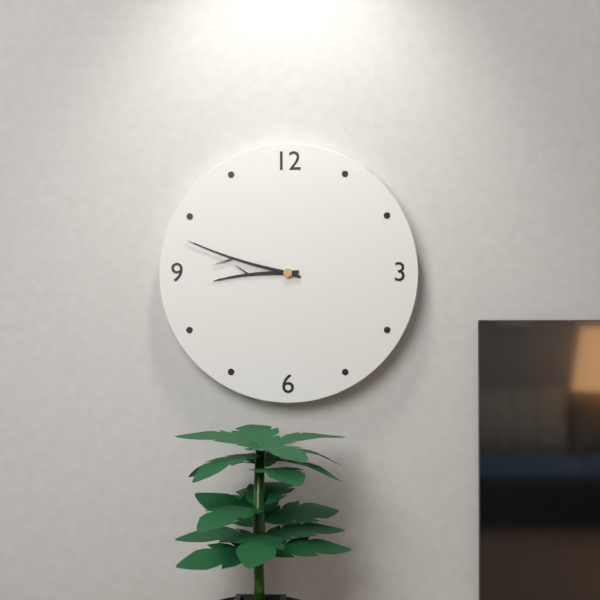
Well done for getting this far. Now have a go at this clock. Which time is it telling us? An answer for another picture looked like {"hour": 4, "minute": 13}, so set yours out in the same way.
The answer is {"hour": 8, "minute": 48}
